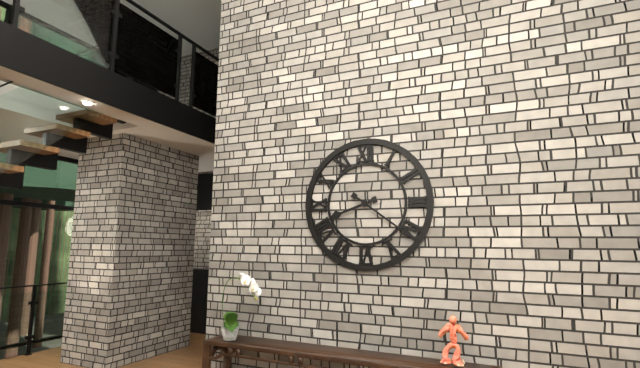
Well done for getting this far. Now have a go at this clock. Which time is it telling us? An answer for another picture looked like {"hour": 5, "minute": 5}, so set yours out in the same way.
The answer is {"hour": 8, "minute": 21}
